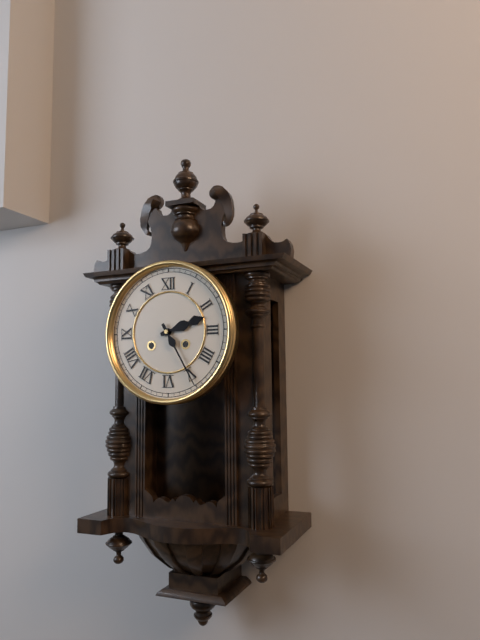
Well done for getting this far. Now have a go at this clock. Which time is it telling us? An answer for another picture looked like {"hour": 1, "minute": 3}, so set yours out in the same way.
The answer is {"hour": 2, "minute": 25}
